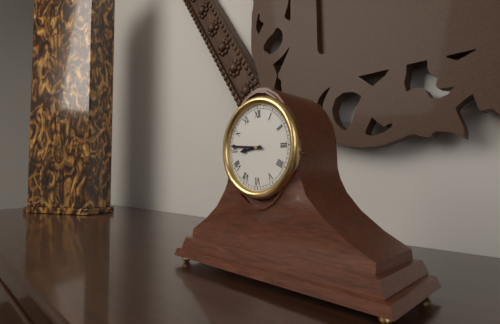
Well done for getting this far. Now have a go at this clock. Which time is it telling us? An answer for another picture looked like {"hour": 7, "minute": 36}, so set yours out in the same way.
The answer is {"hour": 8, "minute": 46}
